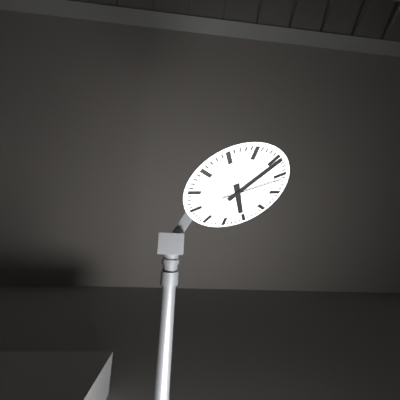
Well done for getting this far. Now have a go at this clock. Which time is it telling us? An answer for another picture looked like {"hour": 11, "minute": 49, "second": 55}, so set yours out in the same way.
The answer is {"hour": 5, "minute": 6, "second": 11}
